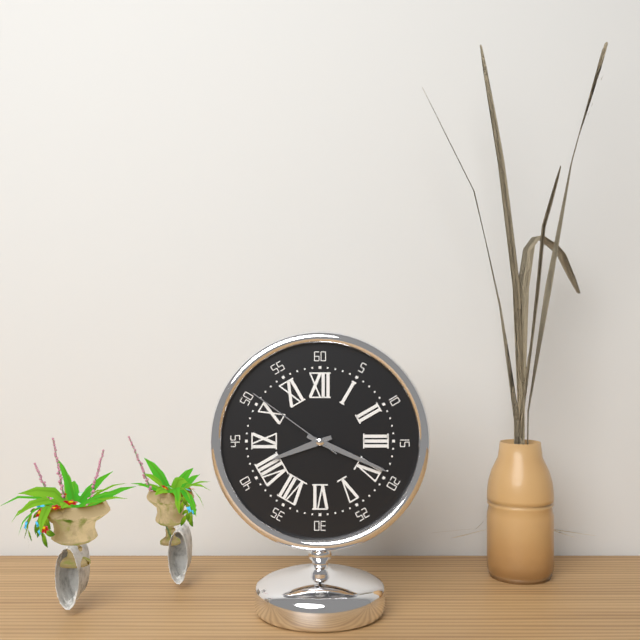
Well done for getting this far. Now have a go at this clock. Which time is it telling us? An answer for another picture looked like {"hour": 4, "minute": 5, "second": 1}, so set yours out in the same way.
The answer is {"hour": 8, "minute": 19, "second": 51}
